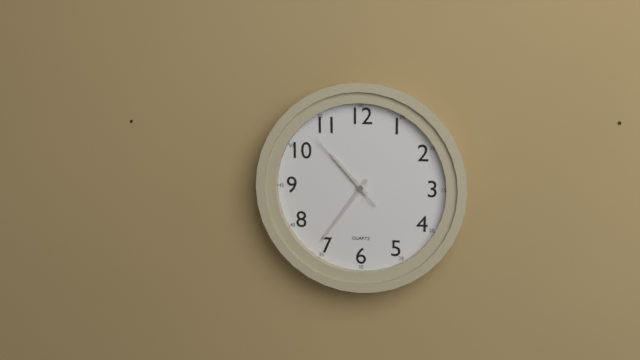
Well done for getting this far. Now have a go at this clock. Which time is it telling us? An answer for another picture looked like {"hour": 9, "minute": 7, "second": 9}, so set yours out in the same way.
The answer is {"hour": 10, "minute": 36, "second": 53}
